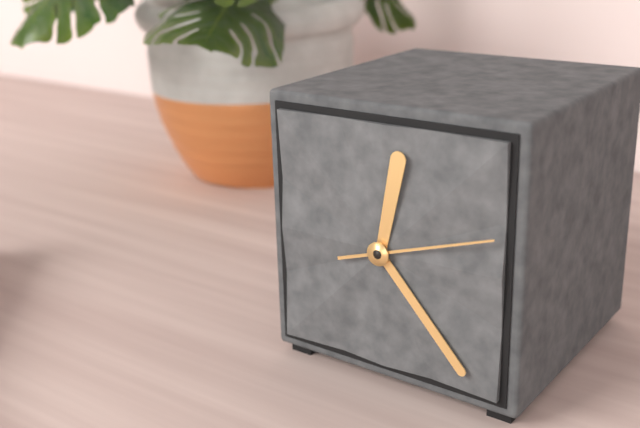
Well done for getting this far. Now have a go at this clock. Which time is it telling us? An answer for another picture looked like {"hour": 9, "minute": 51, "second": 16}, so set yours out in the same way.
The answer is {"hour": 12, "minute": 23, "second": 12}
